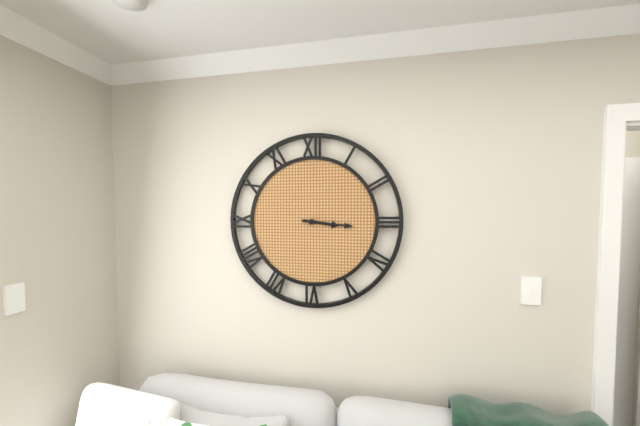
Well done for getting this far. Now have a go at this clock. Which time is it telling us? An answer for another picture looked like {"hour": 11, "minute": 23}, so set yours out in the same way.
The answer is {"hour": 3, "minute": 16}
